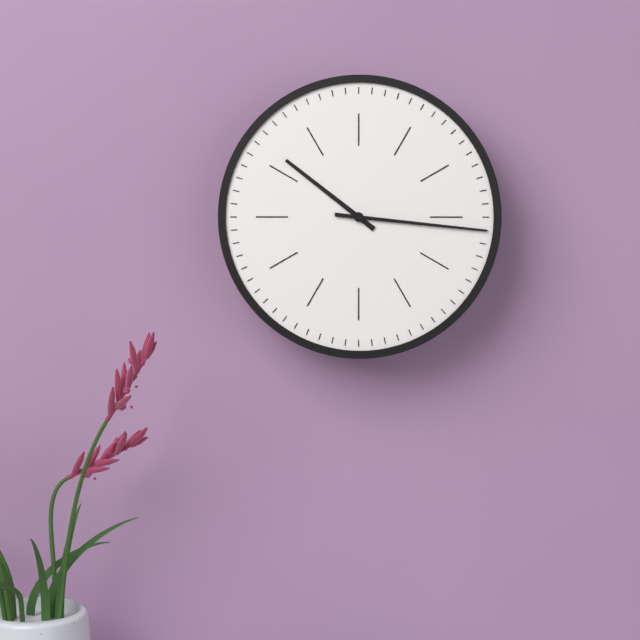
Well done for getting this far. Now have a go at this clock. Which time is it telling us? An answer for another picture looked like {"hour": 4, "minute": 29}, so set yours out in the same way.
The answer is {"hour": 10, "minute": 16}
